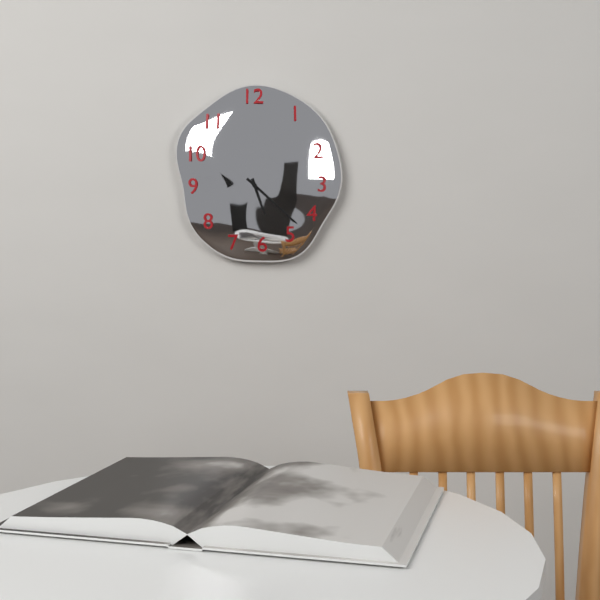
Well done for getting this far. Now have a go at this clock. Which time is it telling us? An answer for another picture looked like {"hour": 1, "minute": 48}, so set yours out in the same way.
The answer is {"hour": 5, "minute": 22}
